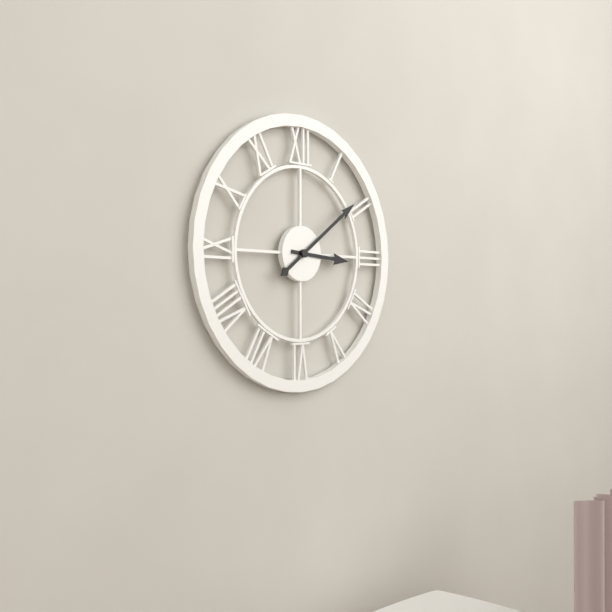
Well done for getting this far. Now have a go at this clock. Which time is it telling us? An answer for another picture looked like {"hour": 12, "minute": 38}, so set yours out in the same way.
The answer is {"hour": 3, "minute": 9}
